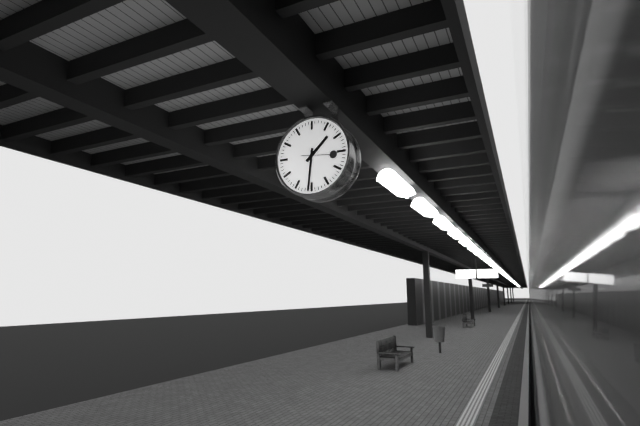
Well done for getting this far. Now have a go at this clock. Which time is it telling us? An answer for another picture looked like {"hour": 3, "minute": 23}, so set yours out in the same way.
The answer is {"hour": 1, "minute": 31}
